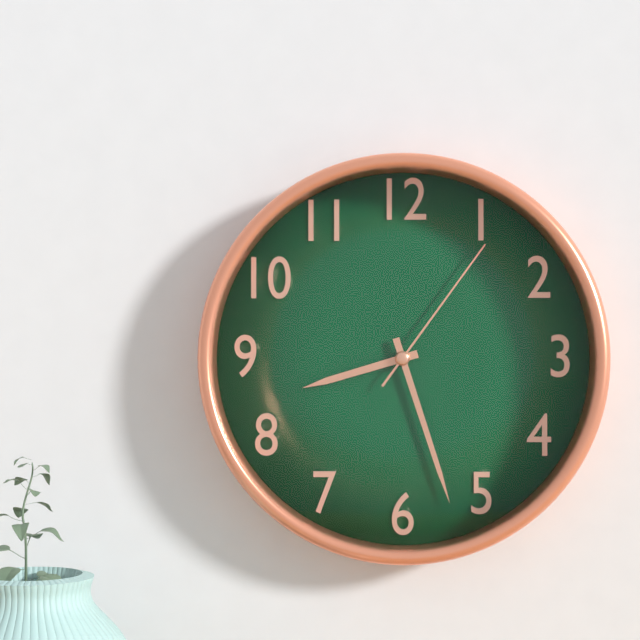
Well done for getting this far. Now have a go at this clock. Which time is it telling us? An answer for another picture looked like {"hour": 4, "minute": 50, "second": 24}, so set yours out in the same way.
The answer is {"hour": 8, "minute": 27, "second": 6}
